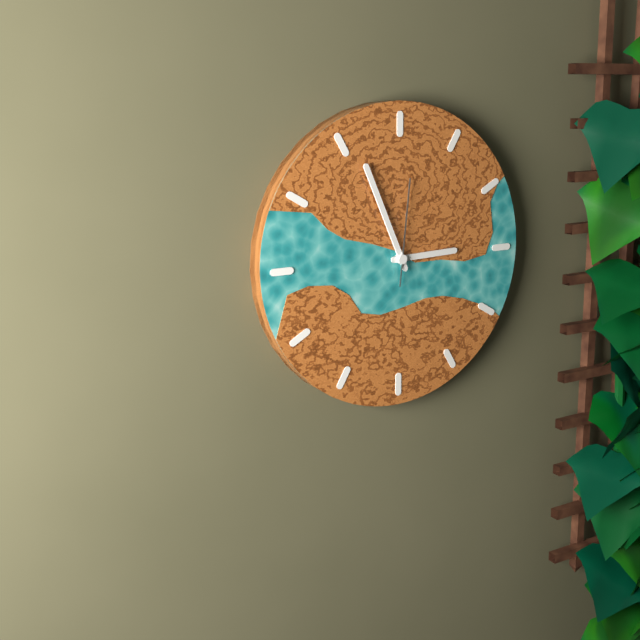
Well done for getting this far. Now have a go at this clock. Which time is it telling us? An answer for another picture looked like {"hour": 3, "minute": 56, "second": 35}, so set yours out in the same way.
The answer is {"hour": 2, "minute": 56, "second": 1}
